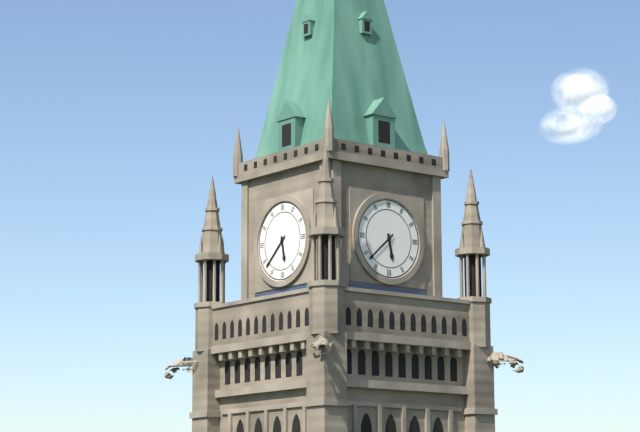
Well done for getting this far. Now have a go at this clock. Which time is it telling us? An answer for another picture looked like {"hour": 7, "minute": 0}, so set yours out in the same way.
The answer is {"hour": 5, "minute": 38}
